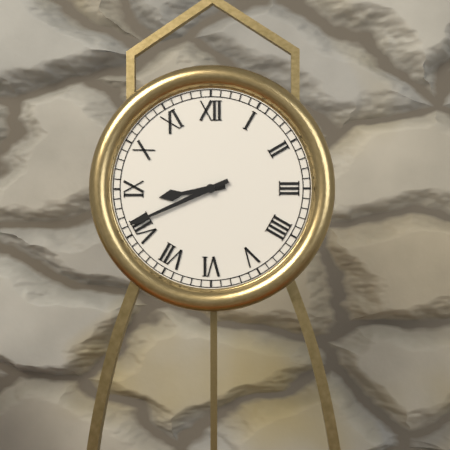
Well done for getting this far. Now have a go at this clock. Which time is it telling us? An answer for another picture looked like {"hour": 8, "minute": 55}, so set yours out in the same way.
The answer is {"hour": 8, "minute": 41}
